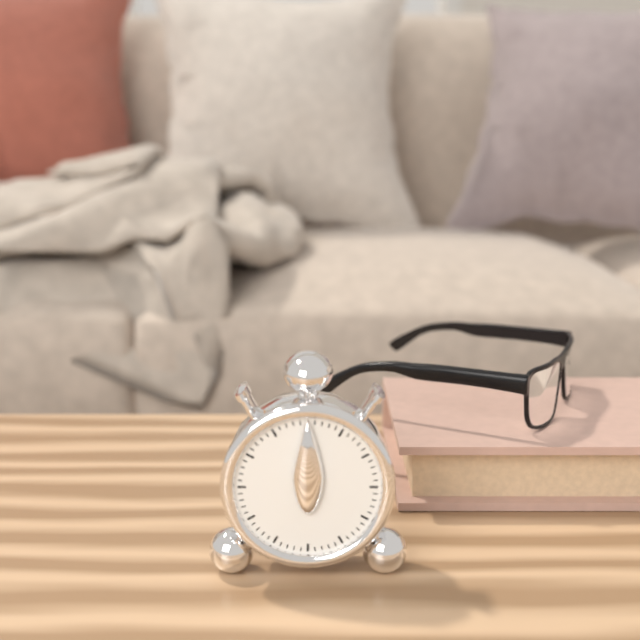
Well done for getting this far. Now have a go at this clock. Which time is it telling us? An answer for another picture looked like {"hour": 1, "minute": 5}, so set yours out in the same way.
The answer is {"hour": 12, "minute": 0}
